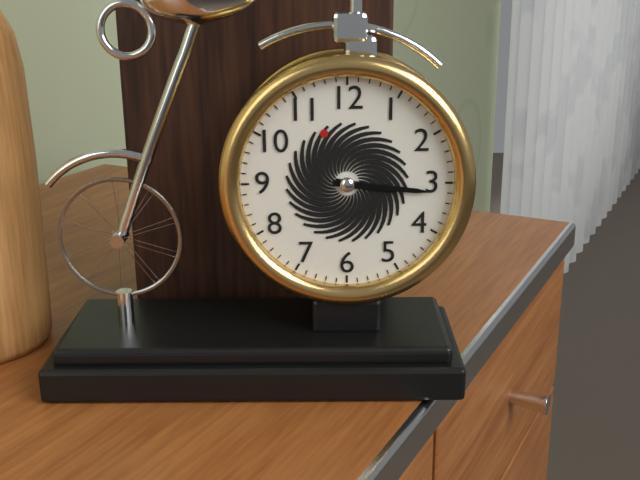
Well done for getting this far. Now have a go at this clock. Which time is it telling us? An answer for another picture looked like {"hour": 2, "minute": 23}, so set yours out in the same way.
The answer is {"hour": 3, "minute": 16}
